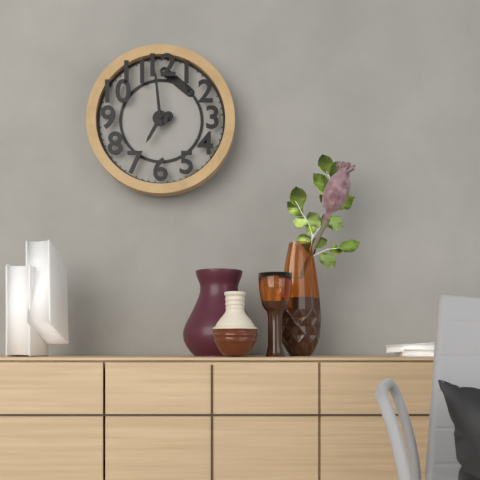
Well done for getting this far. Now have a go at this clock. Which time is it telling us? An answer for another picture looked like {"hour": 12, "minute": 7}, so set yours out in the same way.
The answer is {"hour": 6, "minute": 59}
